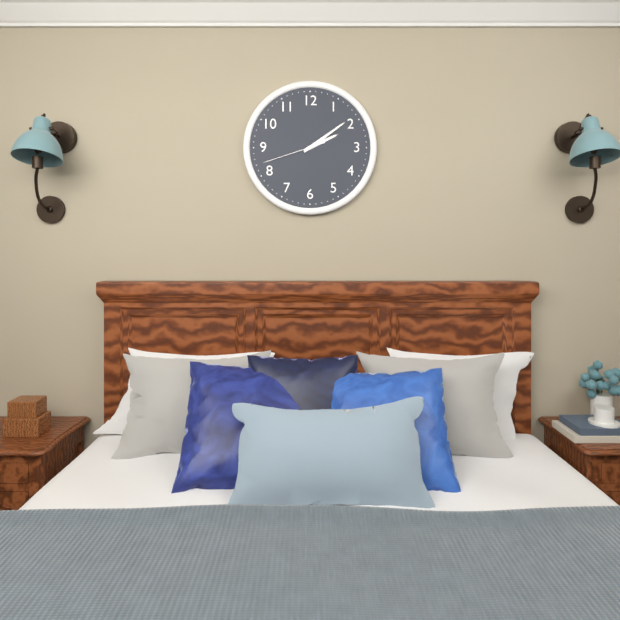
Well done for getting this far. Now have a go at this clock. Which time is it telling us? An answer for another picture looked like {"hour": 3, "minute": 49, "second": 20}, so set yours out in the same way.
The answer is {"hour": 2, "minute": 9, "second": 42}
